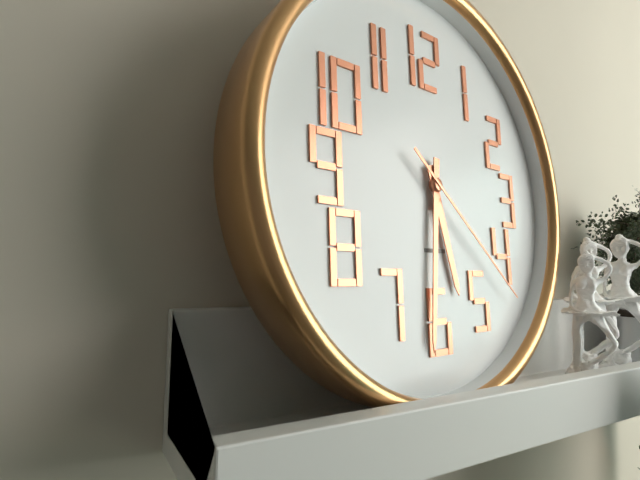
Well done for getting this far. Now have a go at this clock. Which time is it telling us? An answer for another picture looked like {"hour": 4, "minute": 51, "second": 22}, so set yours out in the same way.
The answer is {"hour": 5, "minute": 31, "second": 22}
